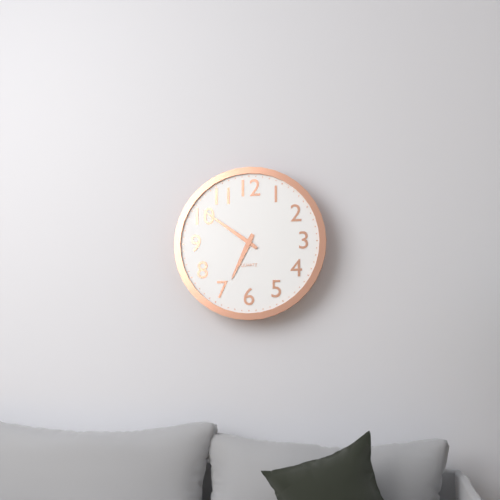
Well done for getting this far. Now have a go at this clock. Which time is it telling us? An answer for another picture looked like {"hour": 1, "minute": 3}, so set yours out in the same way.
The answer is {"hour": 6, "minute": 51}
